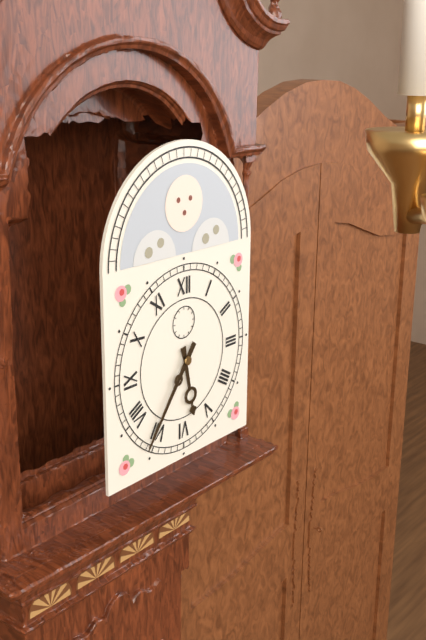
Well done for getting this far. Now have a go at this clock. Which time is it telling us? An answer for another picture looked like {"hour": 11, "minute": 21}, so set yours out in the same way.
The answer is {"hour": 5, "minute": 36}
